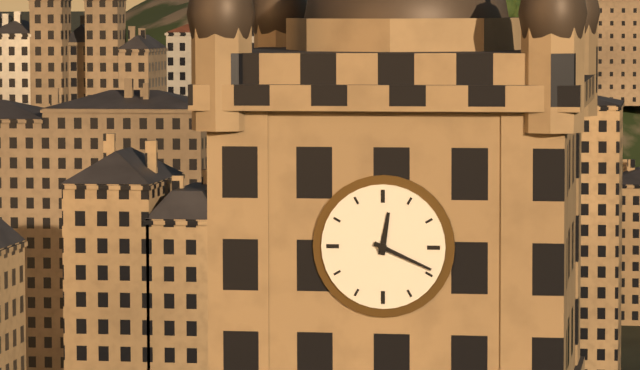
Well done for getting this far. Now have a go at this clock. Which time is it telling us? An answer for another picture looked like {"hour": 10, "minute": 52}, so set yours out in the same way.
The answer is {"hour": 12, "minute": 19}
